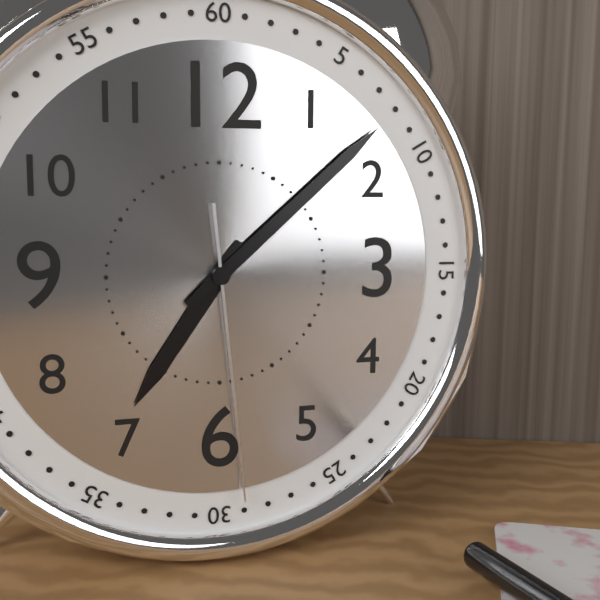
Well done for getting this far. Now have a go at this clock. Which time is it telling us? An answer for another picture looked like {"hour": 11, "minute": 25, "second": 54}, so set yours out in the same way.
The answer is {"hour": 7, "minute": 8, "second": 29}
